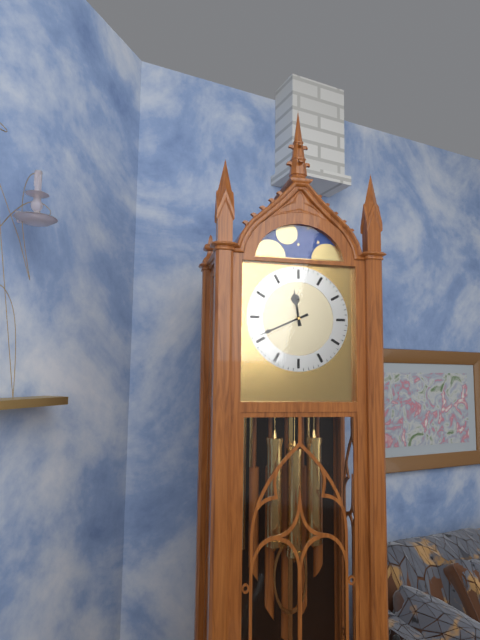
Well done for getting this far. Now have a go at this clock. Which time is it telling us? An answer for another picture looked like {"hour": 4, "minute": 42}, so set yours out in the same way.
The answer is {"hour": 11, "minute": 41}
